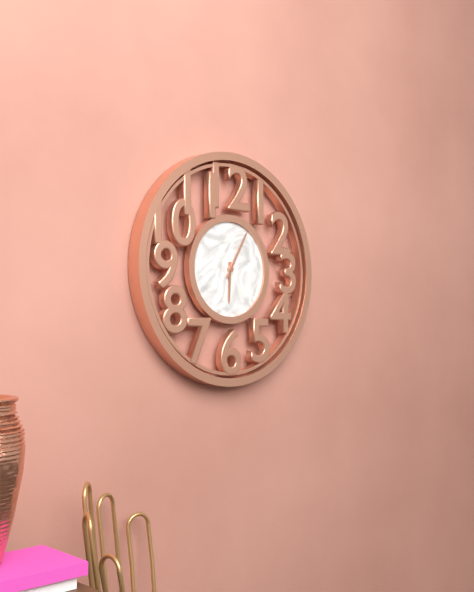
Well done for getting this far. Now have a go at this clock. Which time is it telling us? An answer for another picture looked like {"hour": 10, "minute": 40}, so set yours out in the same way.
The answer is {"hour": 6, "minute": 5}
